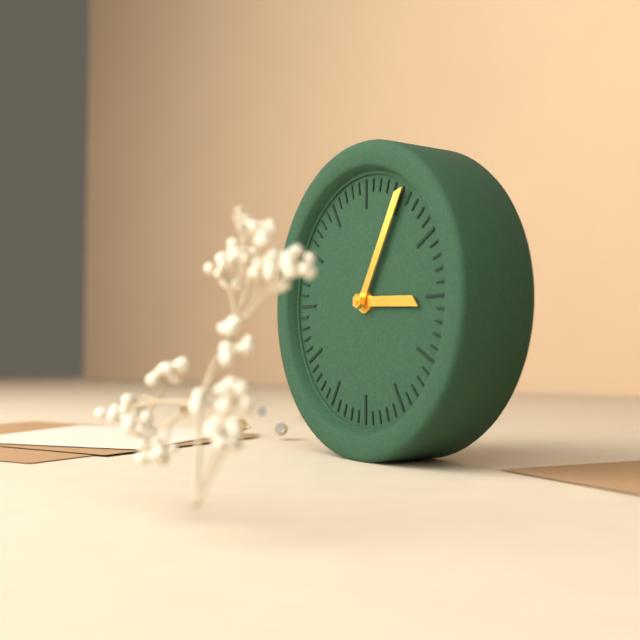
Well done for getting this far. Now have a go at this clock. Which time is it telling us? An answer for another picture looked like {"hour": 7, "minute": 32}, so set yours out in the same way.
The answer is {"hour": 3, "minute": 5}
